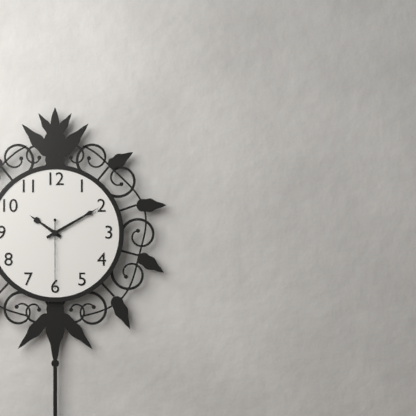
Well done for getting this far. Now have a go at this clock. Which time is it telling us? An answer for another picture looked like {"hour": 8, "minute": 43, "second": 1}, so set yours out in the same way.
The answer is {"hour": 10, "minute": 10, "second": 30}
